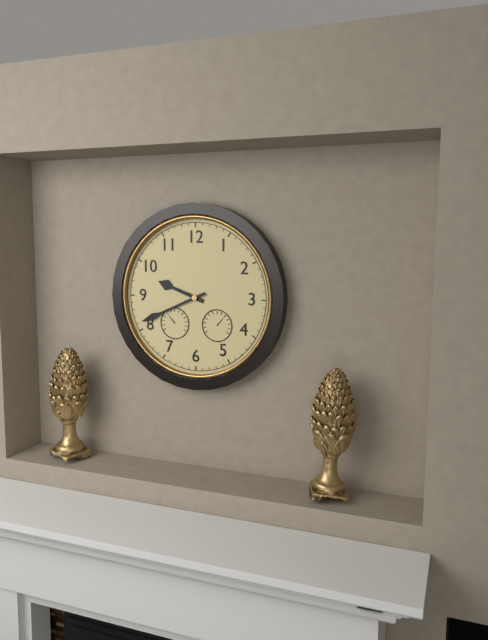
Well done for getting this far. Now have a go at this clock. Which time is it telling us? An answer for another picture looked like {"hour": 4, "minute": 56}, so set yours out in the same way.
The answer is {"hour": 9, "minute": 41}
